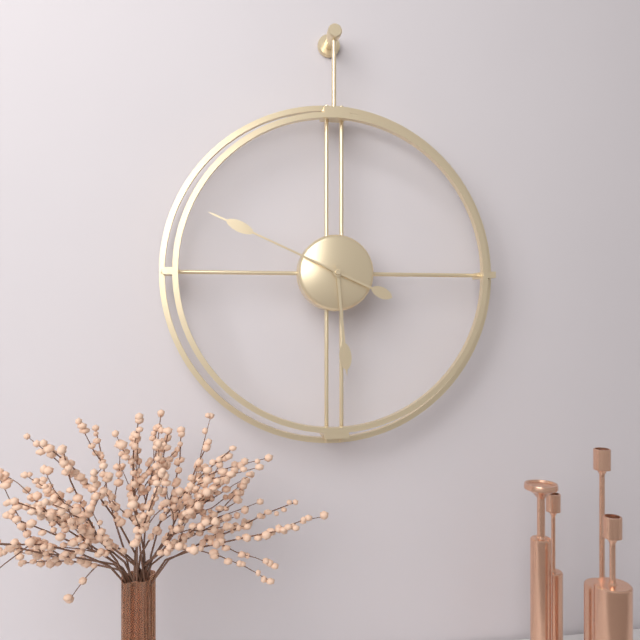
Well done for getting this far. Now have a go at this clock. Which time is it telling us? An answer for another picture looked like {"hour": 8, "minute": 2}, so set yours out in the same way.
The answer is {"hour": 5, "minute": 49}
